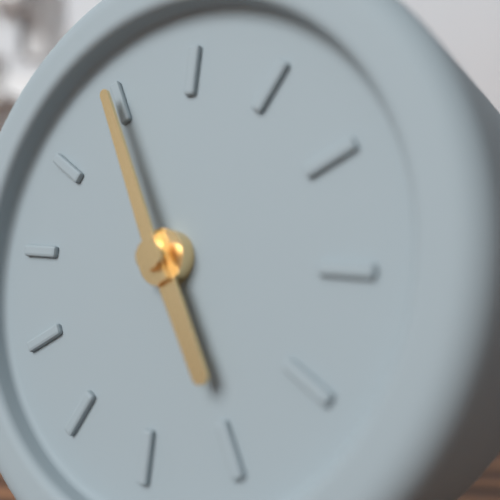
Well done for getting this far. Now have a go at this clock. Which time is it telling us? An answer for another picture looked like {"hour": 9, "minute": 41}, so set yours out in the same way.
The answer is {"hour": 4, "minute": 55}
